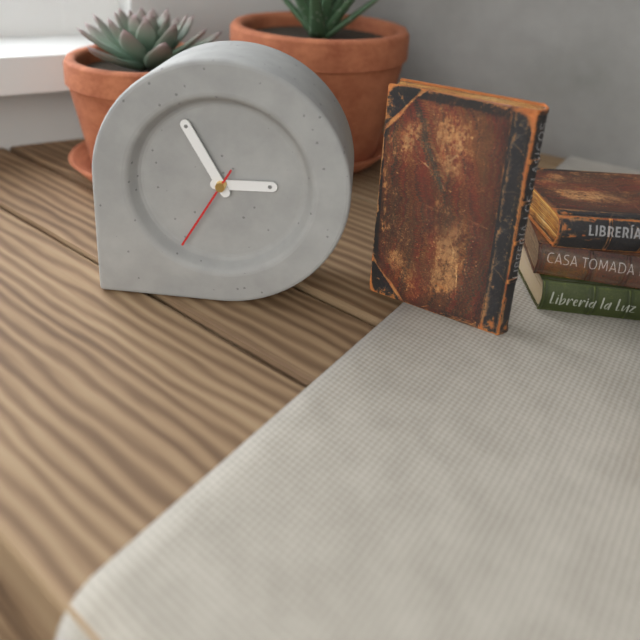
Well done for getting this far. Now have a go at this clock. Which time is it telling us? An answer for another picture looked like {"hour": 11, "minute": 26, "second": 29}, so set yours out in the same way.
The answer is {"hour": 2, "minute": 55, "second": 35}
